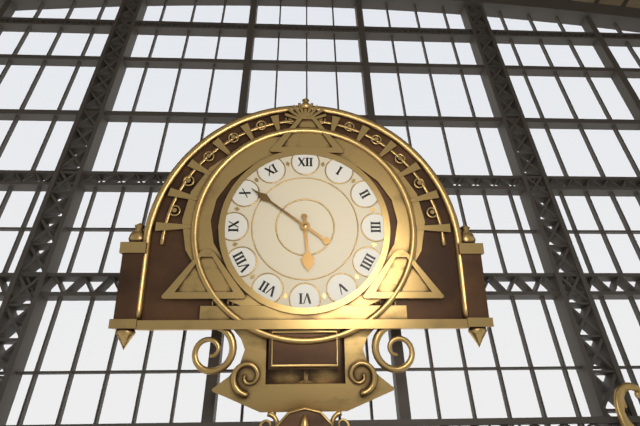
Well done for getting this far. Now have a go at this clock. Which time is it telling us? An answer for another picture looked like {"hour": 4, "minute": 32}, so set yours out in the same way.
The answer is {"hour": 5, "minute": 51}
